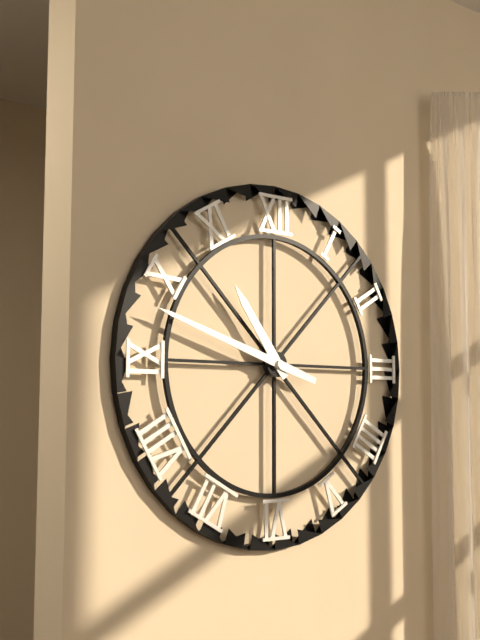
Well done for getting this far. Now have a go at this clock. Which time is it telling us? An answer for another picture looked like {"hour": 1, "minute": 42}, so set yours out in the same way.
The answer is {"hour": 10, "minute": 48}
